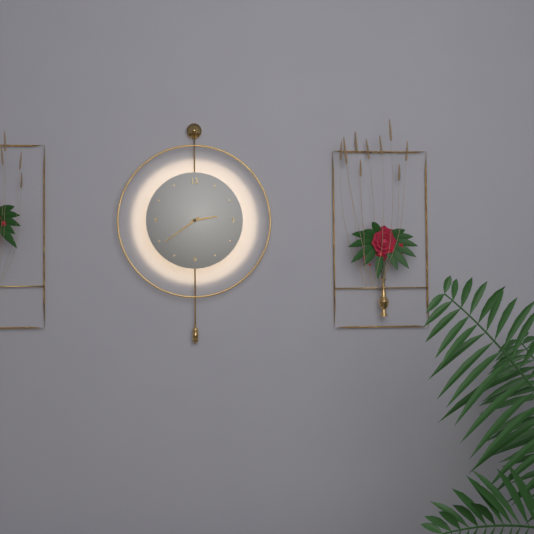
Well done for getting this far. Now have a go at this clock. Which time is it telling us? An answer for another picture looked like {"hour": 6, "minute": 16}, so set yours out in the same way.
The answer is {"hour": 2, "minute": 39}
